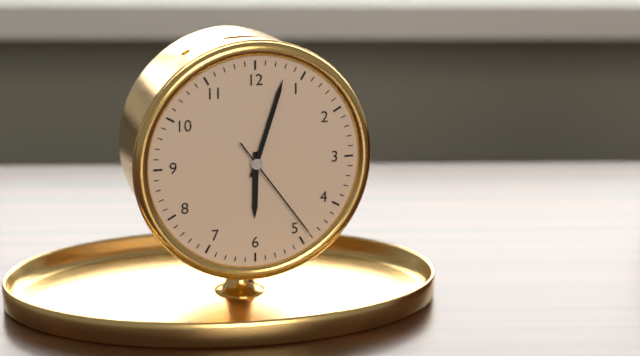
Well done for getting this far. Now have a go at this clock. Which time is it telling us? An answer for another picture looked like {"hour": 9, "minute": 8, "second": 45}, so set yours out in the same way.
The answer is {"hour": 6, "minute": 3, "second": 24}
